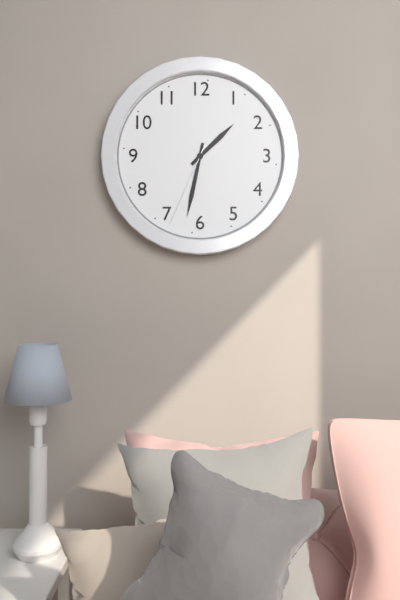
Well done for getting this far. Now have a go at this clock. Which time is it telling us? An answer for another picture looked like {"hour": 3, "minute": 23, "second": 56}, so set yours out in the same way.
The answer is {"hour": 1, "minute": 32, "second": 34}
